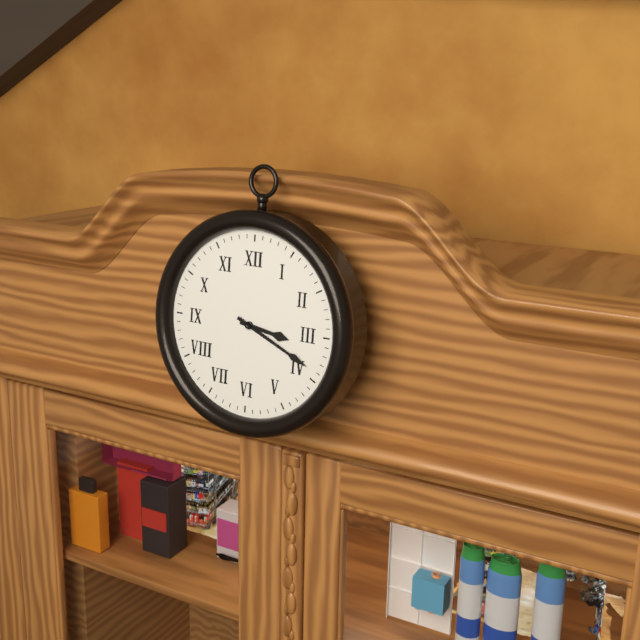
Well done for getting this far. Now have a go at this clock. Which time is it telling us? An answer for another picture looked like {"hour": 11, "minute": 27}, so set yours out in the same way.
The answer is {"hour": 3, "minute": 19}
